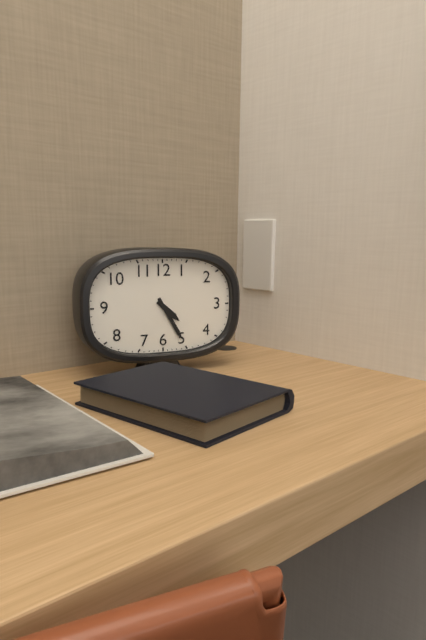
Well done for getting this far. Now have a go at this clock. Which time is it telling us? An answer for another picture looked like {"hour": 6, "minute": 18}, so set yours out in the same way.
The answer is {"hour": 4, "minute": 25}
